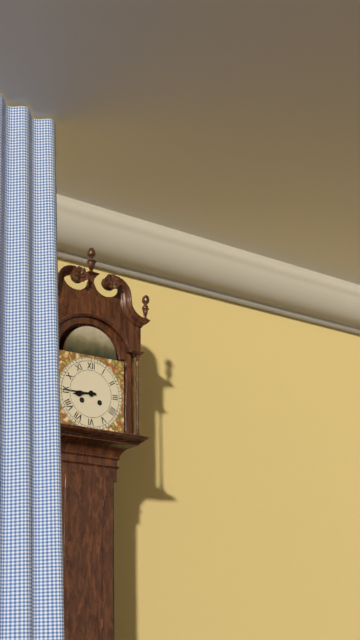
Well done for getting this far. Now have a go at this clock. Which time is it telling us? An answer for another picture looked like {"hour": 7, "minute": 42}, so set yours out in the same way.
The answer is {"hour": 8, "minute": 45}
